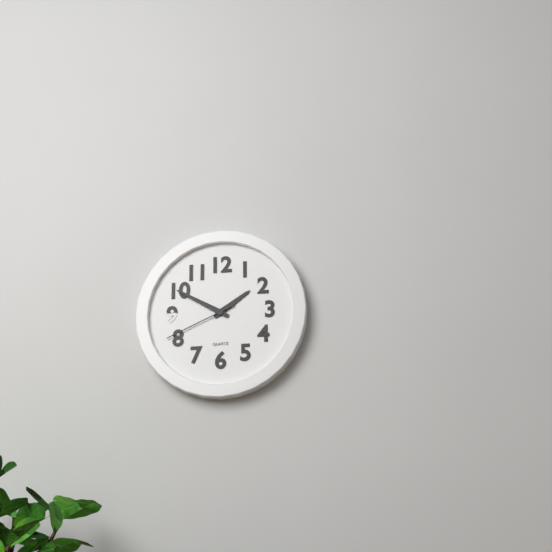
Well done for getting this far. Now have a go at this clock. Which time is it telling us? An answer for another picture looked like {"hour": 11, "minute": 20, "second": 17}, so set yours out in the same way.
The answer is {"hour": 1, "minute": 50, "second": 41}
